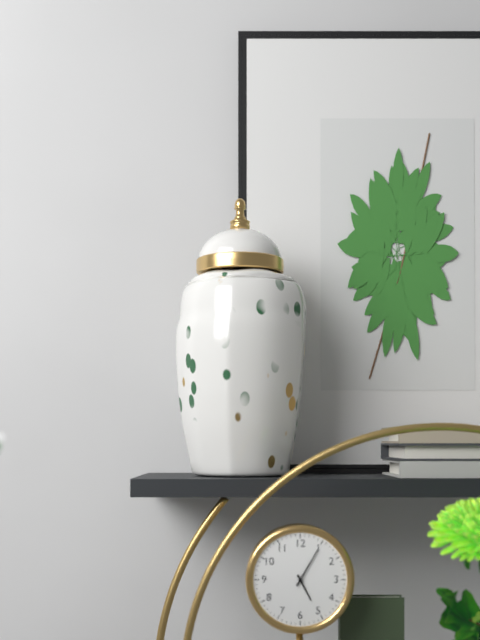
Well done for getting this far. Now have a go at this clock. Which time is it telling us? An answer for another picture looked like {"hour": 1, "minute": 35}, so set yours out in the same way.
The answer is {"hour": 5, "minute": 5}
